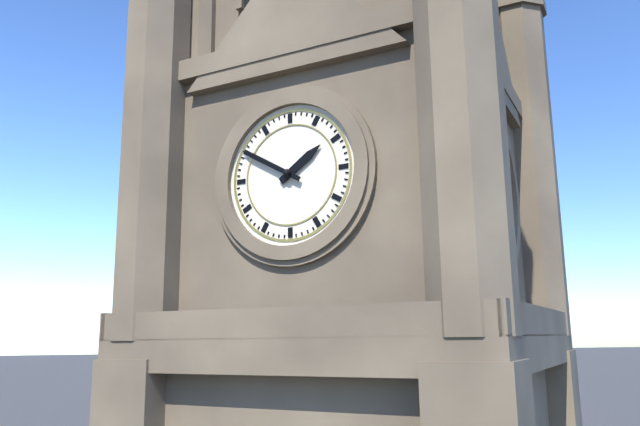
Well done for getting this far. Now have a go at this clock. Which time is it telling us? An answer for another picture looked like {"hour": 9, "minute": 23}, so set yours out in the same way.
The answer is {"hour": 1, "minute": 50}
